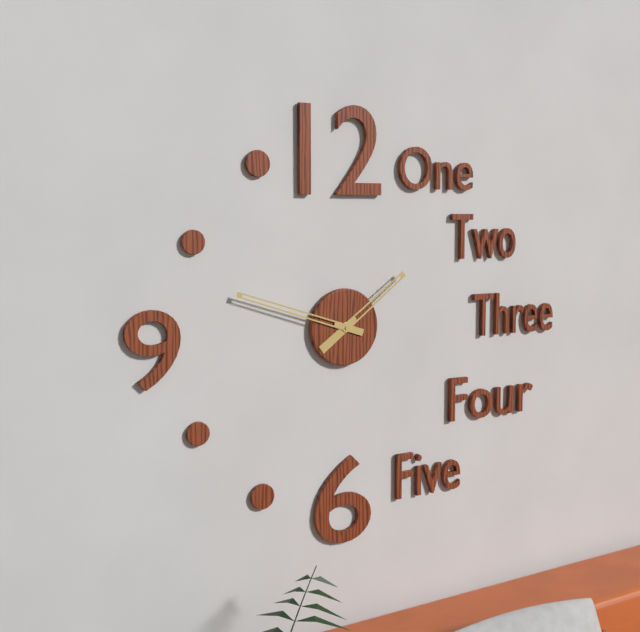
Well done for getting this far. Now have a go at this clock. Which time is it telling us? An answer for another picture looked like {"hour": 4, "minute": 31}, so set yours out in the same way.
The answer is {"hour": 1, "minute": 48}
